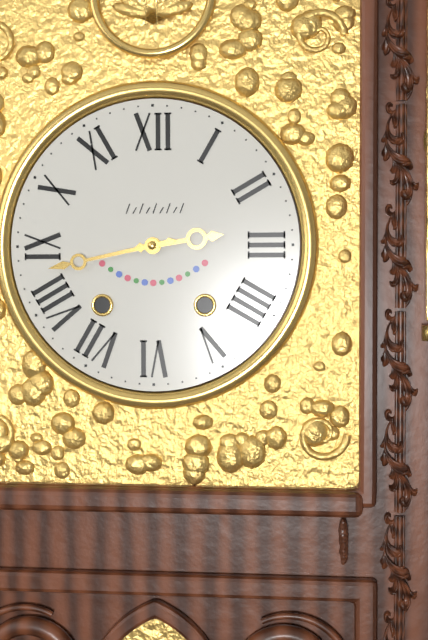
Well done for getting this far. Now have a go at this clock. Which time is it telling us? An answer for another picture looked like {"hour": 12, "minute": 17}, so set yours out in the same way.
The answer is {"hour": 2, "minute": 43}
